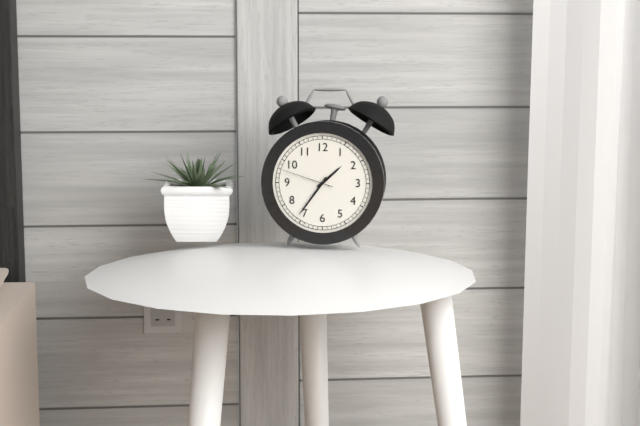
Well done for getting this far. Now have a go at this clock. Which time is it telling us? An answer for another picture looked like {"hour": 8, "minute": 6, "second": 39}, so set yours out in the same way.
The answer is {"hour": 1, "minute": 36, "second": 48}
